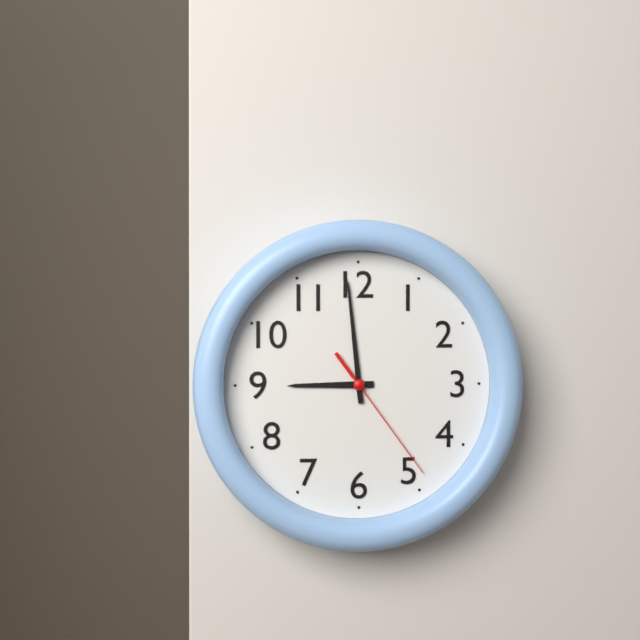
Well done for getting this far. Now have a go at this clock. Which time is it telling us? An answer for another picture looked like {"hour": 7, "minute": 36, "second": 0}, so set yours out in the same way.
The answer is {"hour": 8, "minute": 59, "second": 24}
